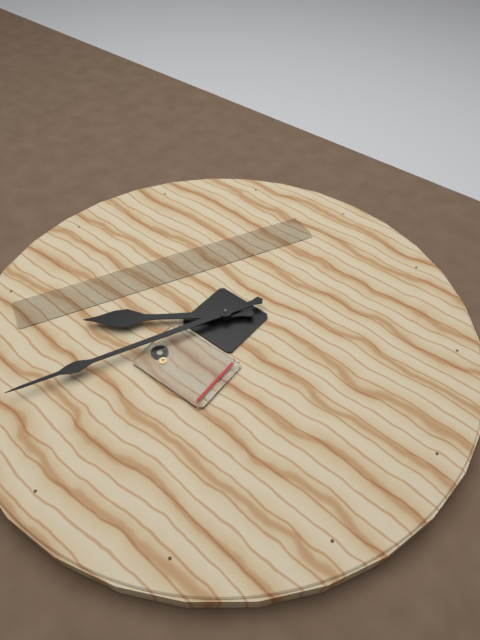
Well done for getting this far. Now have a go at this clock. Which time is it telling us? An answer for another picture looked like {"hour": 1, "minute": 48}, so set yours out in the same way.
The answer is {"hour": 7, "minute": 34}
